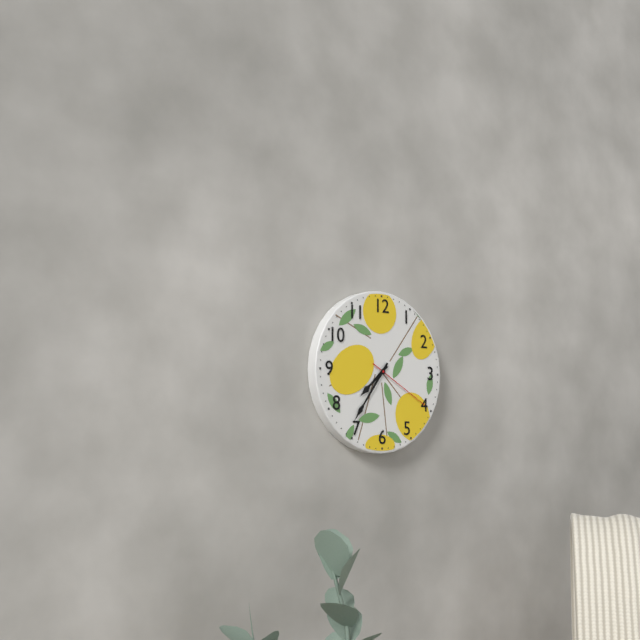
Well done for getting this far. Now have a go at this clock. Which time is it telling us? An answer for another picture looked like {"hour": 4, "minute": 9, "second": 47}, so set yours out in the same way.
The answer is {"hour": 7, "minute": 36, "second": 20}
